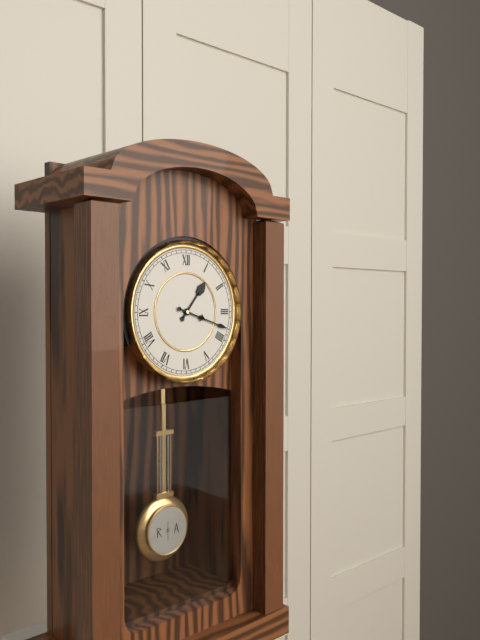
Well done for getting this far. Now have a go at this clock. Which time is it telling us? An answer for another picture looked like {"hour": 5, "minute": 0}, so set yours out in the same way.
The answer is {"hour": 1, "minute": 18}
